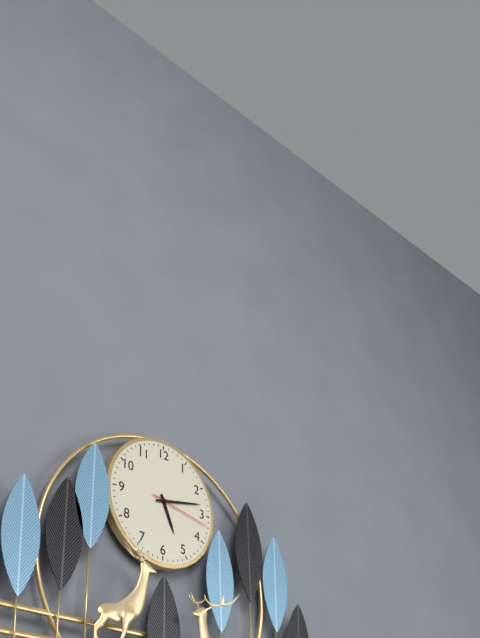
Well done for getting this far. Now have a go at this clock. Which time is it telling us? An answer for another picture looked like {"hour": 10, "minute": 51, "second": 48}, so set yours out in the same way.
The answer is {"hour": 5, "minute": 13, "second": 17}
